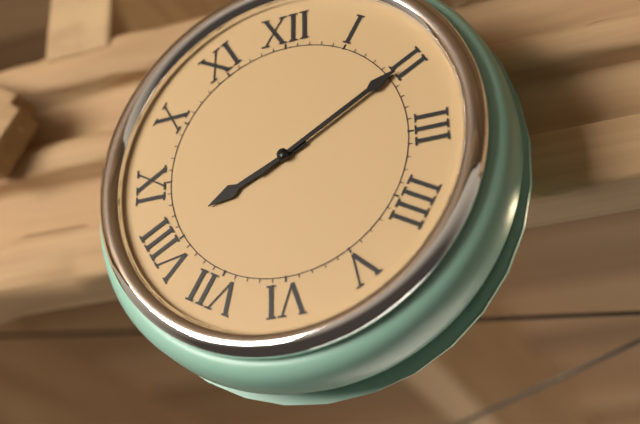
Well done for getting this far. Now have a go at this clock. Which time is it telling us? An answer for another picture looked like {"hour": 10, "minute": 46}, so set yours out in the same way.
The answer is {"hour": 8, "minute": 10}
